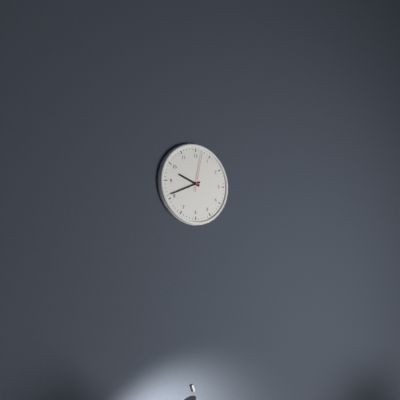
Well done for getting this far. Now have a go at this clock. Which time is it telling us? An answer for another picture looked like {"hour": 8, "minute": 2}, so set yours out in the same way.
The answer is {"hour": 9, "minute": 41}
